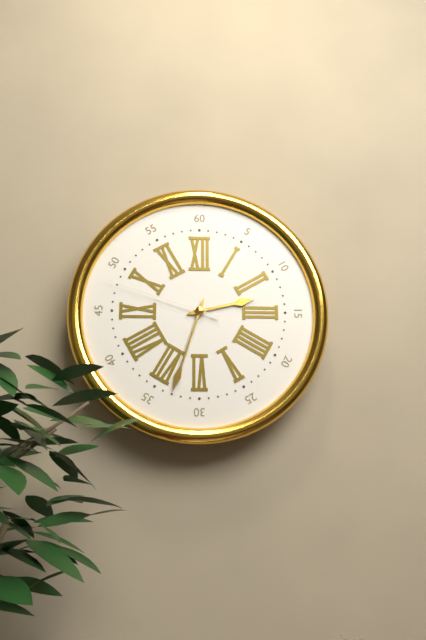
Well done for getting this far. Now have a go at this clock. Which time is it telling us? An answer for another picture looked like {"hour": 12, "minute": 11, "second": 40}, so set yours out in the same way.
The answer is {"hour": 2, "minute": 33, "second": 48}
